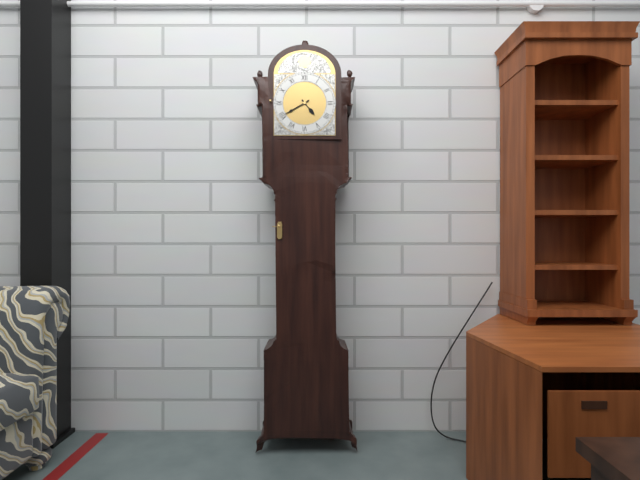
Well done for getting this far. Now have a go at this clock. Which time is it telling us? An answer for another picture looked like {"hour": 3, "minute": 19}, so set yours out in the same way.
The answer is {"hour": 4, "minute": 40}
